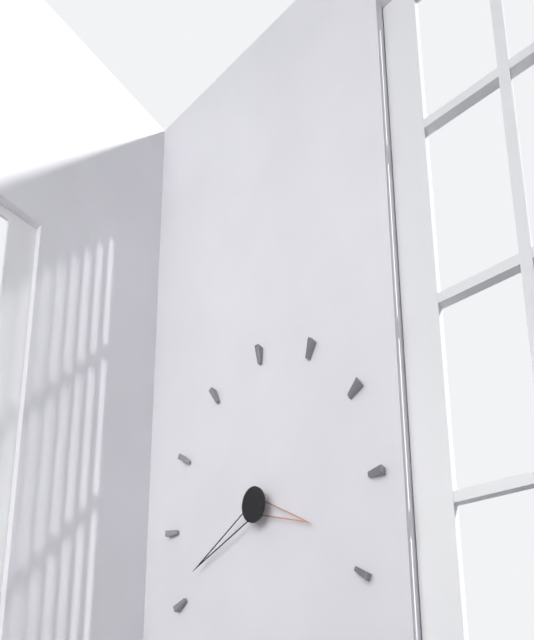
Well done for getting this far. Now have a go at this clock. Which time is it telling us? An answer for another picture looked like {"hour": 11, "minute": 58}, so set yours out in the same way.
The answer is {"hour": 3, "minute": 41}
